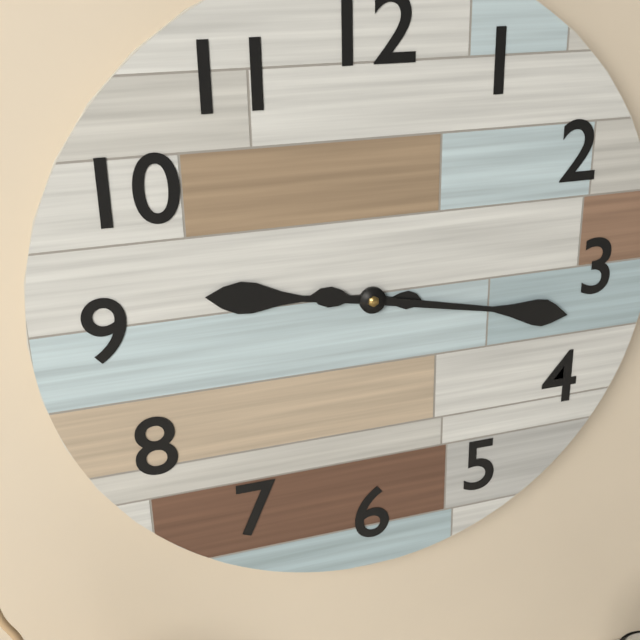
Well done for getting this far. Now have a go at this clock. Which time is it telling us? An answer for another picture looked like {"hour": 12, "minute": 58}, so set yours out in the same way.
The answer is {"hour": 9, "minute": 17}
